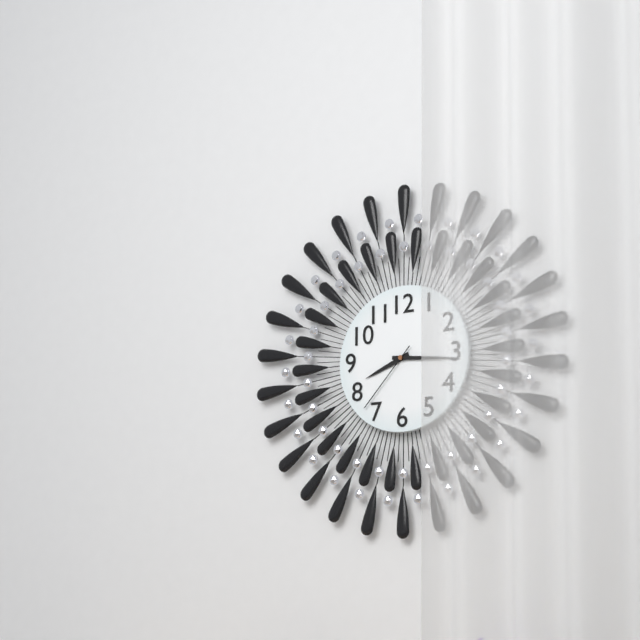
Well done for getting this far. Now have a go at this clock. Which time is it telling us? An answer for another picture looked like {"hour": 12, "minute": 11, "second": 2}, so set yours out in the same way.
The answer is {"hour": 8, "minute": 16, "second": 37}
